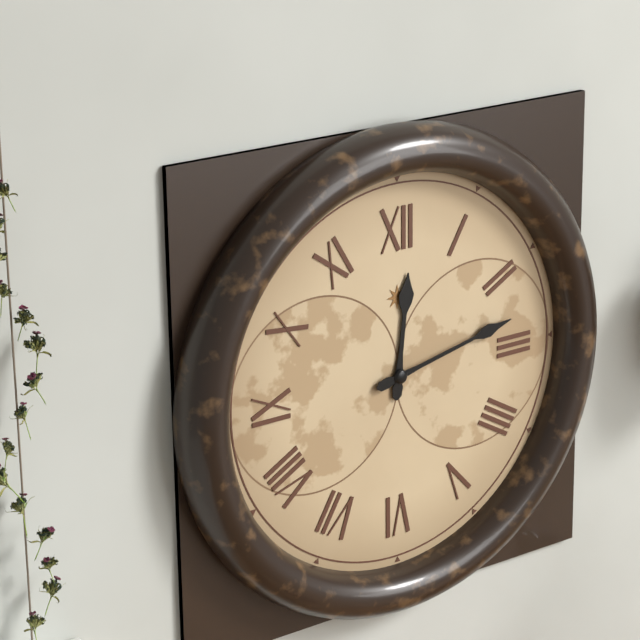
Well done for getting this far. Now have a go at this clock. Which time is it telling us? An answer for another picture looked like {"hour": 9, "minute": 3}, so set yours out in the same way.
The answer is {"hour": 12, "minute": 13}
